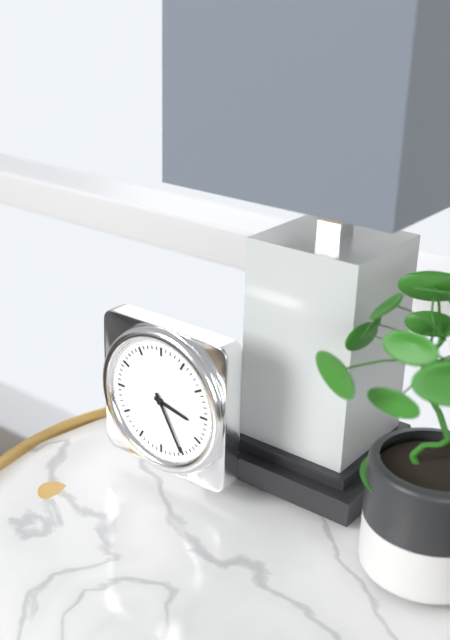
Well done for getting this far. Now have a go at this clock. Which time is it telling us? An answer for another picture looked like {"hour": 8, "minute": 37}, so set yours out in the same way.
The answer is {"hour": 3, "minute": 25}
